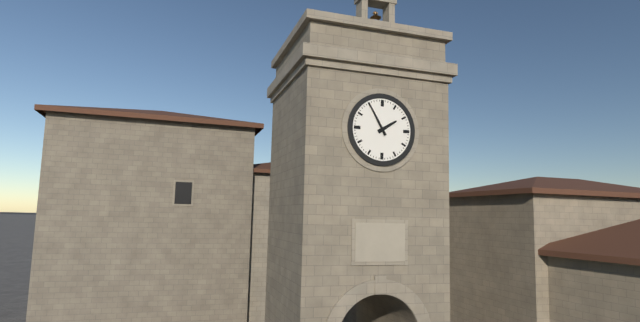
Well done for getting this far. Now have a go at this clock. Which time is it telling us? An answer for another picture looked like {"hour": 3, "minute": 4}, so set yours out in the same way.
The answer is {"hour": 1, "minute": 55}
